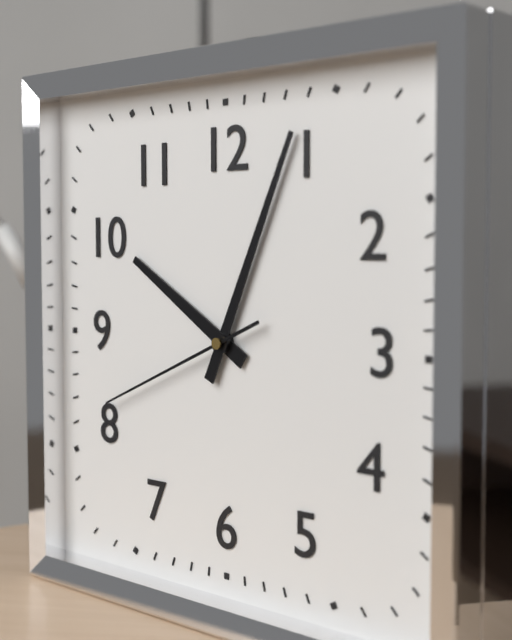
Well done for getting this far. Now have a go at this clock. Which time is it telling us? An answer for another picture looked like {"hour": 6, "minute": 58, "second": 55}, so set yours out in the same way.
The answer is {"hour": 10, "minute": 4, "second": 41}
